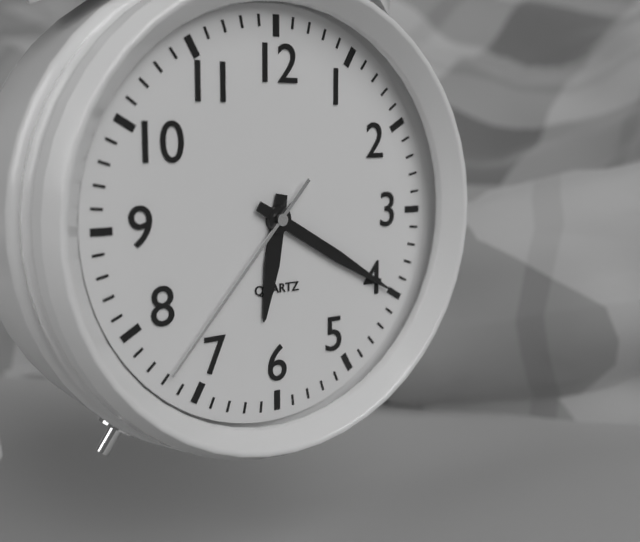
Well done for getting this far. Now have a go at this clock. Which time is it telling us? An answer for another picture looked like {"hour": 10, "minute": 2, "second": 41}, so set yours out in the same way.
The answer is {"hour": 6, "minute": 20, "second": 37}
